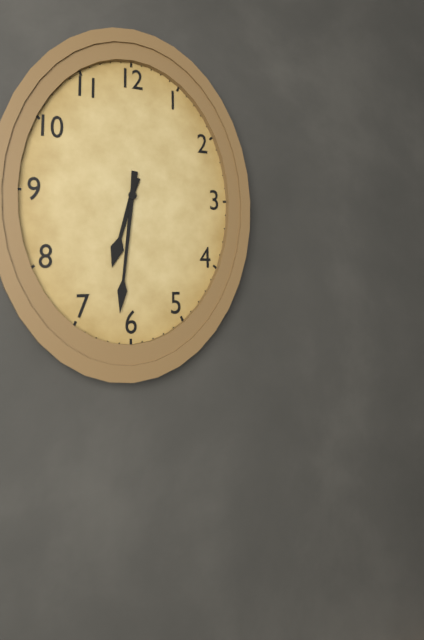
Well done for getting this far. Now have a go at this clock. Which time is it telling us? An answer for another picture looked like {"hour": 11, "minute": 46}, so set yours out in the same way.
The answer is {"hour": 6, "minute": 31}
